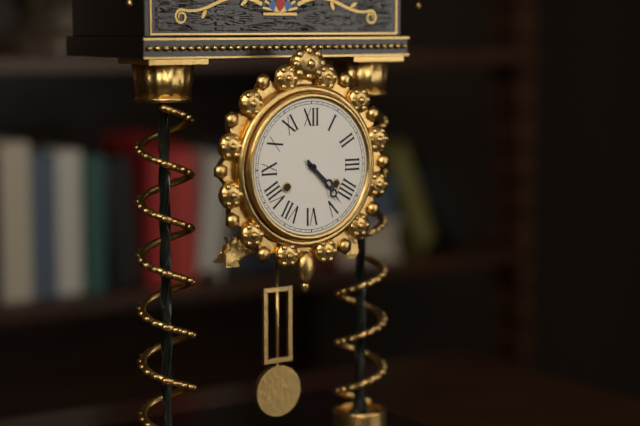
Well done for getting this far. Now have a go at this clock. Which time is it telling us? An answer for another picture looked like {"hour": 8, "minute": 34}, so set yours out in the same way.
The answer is {"hour": 4, "minute": 23}
